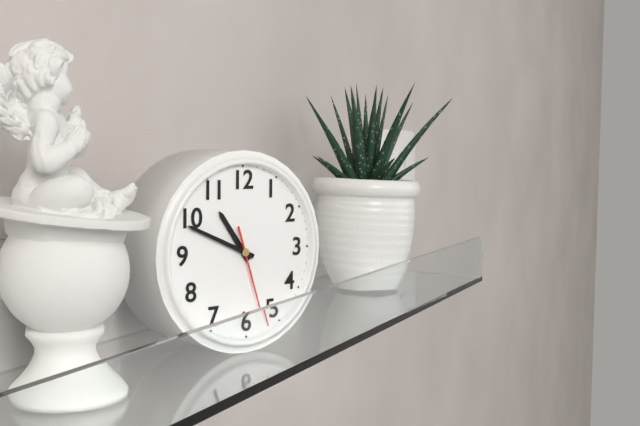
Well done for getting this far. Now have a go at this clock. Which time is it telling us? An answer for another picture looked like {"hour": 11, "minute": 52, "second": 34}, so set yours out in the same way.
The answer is {"hour": 10, "minute": 49, "second": 27}
